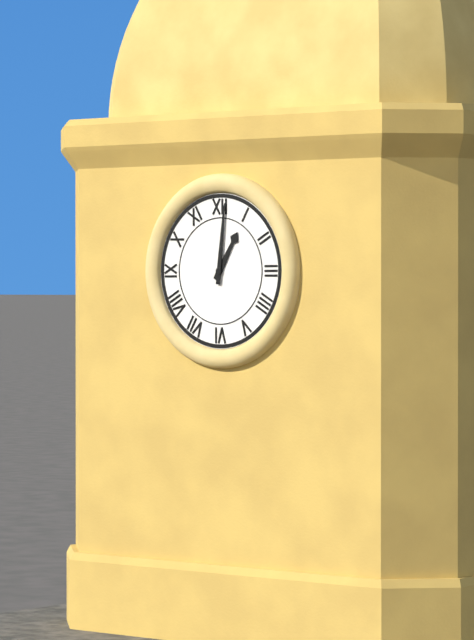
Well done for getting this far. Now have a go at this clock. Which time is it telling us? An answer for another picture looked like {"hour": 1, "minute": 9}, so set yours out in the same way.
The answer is {"hour": 1, "minute": 1}
